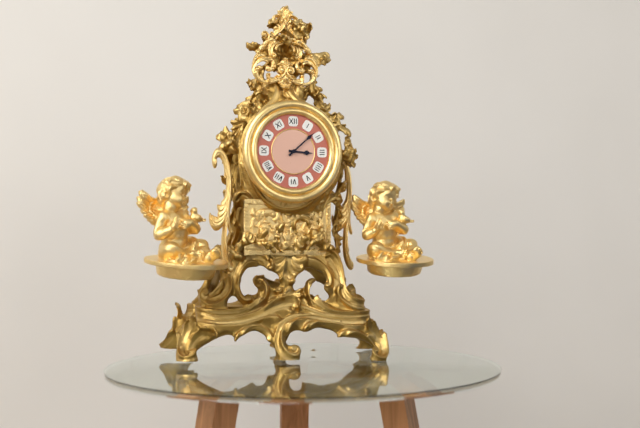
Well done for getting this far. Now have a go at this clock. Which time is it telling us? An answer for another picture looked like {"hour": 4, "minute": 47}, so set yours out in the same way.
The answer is {"hour": 3, "minute": 8}
